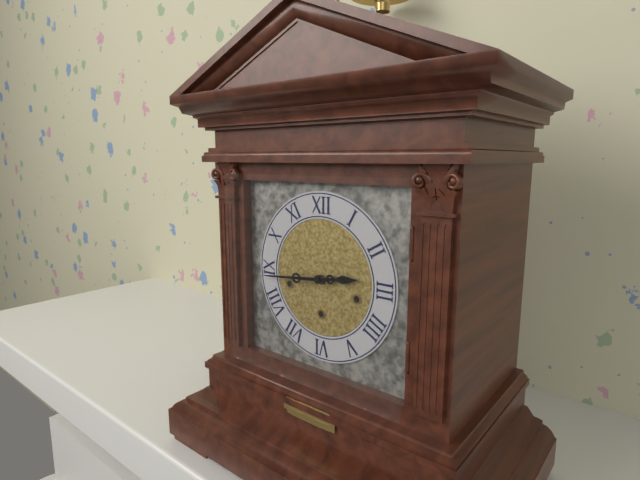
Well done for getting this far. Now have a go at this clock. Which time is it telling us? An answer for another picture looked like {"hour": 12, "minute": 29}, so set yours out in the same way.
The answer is {"hour": 2, "minute": 44}
